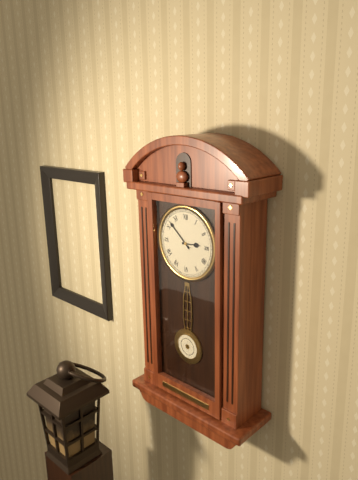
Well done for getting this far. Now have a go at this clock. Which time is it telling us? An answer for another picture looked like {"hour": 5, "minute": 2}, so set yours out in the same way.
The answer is {"hour": 2, "minute": 52}
